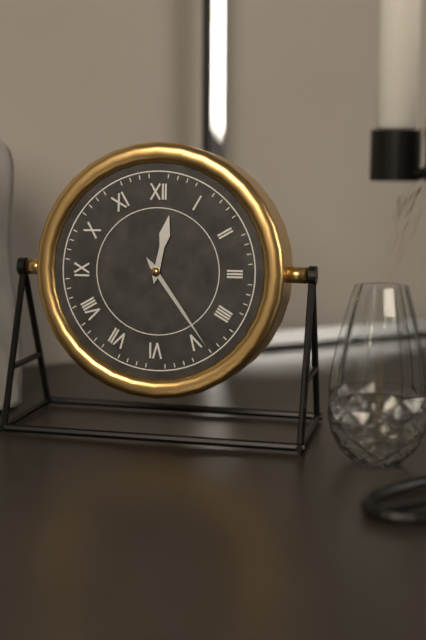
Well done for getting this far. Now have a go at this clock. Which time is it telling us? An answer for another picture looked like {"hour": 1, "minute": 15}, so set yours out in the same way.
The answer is {"hour": 12, "minute": 24}
